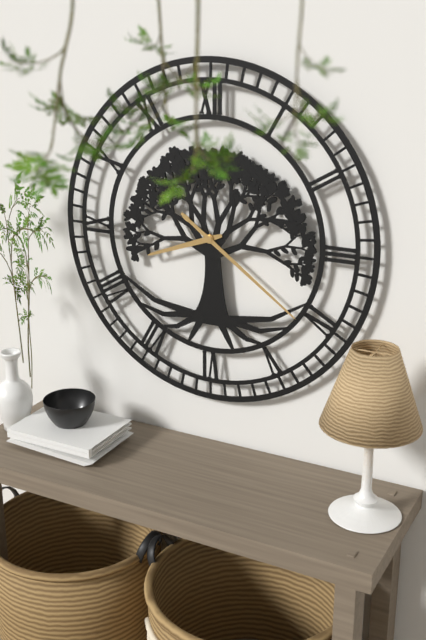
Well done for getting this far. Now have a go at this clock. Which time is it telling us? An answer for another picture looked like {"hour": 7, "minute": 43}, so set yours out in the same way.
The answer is {"hour": 8, "minute": 21}
